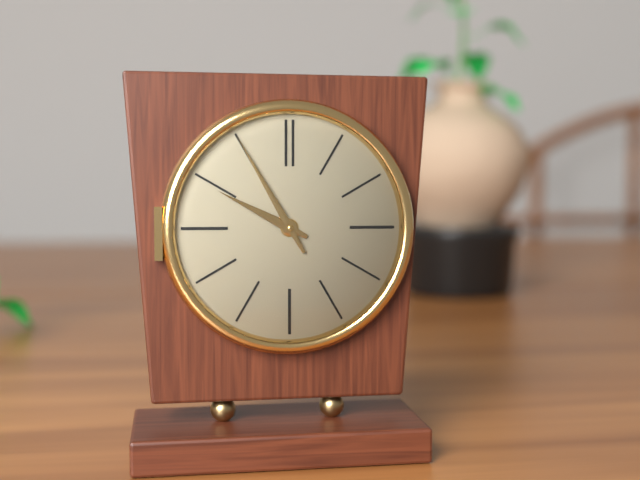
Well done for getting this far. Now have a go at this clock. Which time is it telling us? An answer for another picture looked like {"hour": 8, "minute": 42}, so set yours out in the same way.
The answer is {"hour": 9, "minute": 55}
